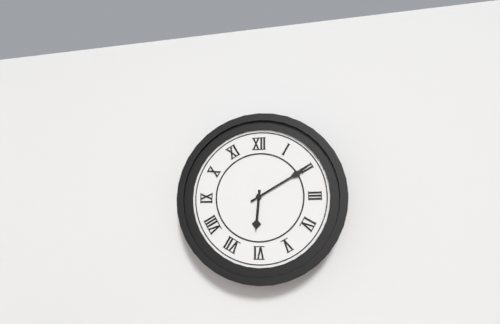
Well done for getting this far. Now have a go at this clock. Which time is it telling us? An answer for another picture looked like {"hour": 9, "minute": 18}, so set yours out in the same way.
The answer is {"hour": 6, "minute": 10}
